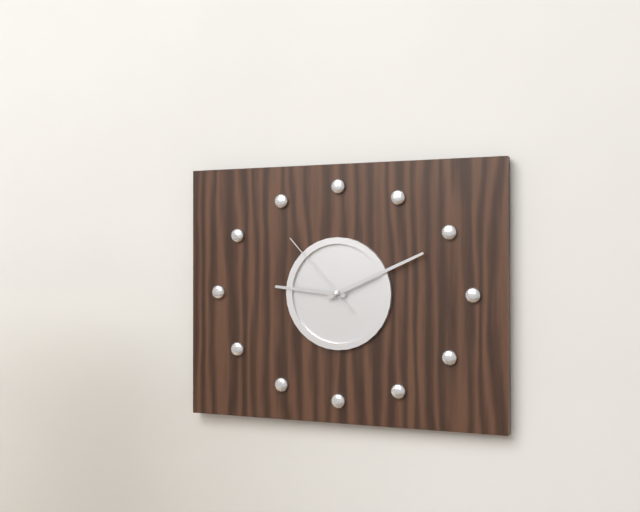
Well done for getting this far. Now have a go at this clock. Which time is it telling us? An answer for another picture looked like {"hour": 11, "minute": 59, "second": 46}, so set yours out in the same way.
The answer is {"hour": 9, "minute": 11, "second": 53}
